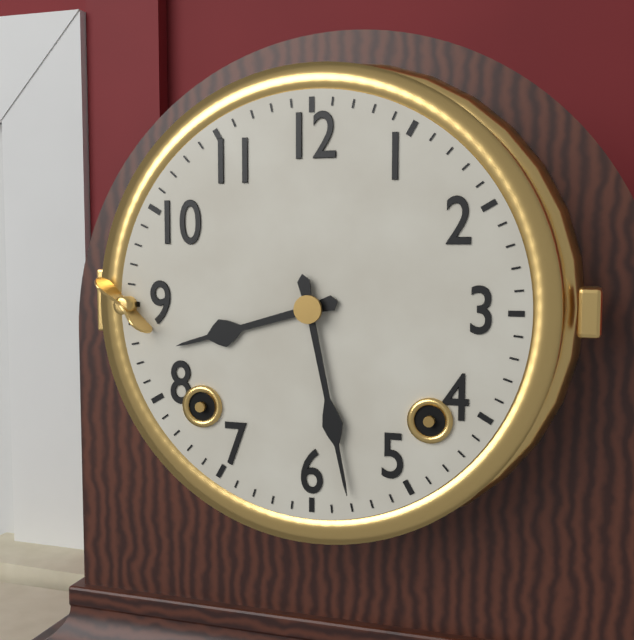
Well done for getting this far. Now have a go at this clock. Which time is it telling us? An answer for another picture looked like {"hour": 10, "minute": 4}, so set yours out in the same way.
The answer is {"hour": 8, "minute": 28}
